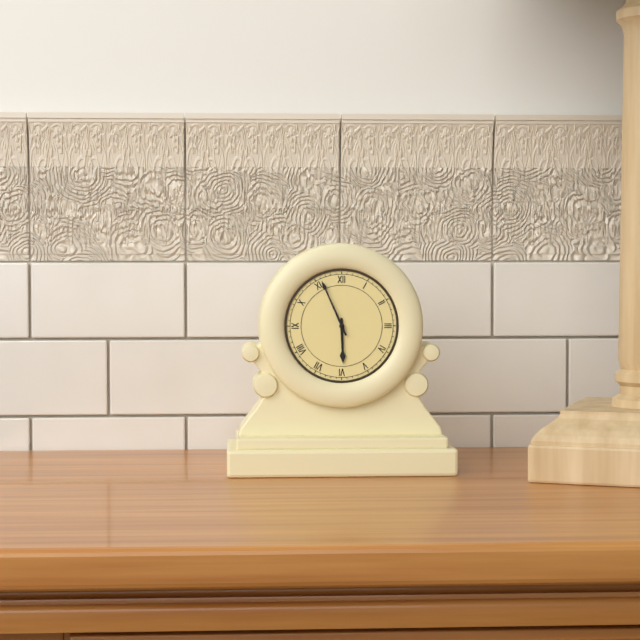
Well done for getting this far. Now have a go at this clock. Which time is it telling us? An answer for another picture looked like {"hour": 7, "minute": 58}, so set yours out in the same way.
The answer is {"hour": 5, "minute": 56}
